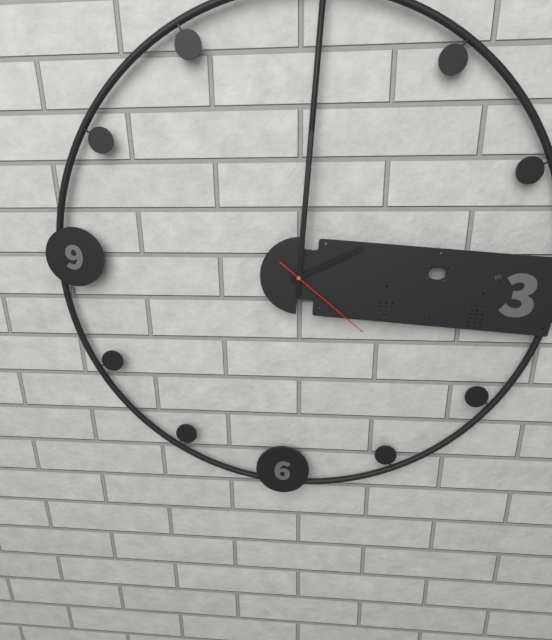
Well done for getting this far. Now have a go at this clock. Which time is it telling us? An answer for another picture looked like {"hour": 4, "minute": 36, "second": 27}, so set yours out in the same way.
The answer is {"hour": 2, "minute": 0, "second": 21}
